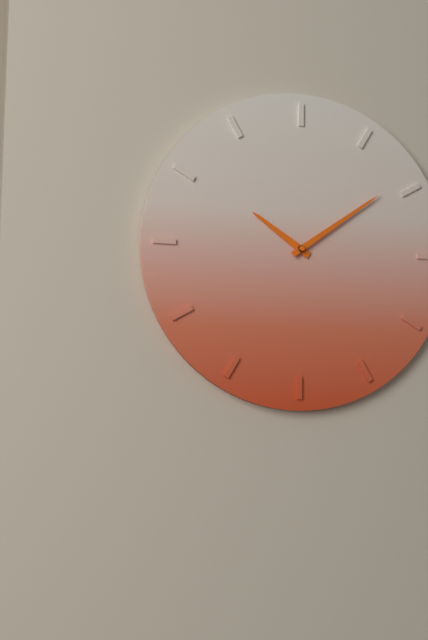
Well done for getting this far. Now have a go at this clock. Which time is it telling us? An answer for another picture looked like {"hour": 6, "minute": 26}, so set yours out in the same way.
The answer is {"hour": 10, "minute": 9}
